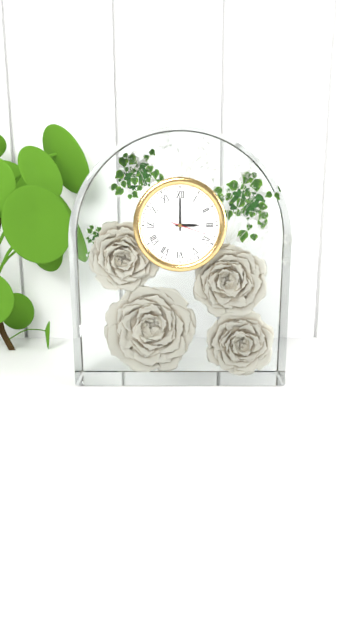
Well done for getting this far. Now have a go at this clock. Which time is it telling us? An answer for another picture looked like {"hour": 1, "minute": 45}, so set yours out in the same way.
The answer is {"hour": 3, "minute": 0}
